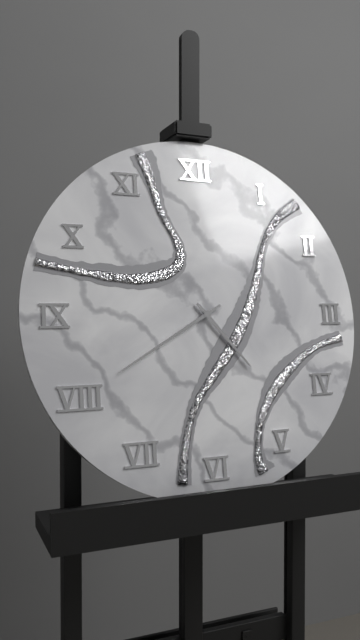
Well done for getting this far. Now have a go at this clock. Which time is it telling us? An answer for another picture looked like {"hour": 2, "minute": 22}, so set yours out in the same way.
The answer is {"hour": 4, "minute": 40}
